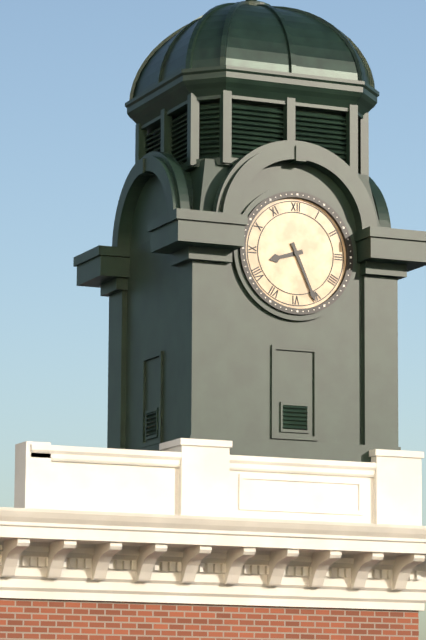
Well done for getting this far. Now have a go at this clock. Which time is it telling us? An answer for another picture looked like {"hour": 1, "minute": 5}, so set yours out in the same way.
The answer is {"hour": 8, "minute": 26}
